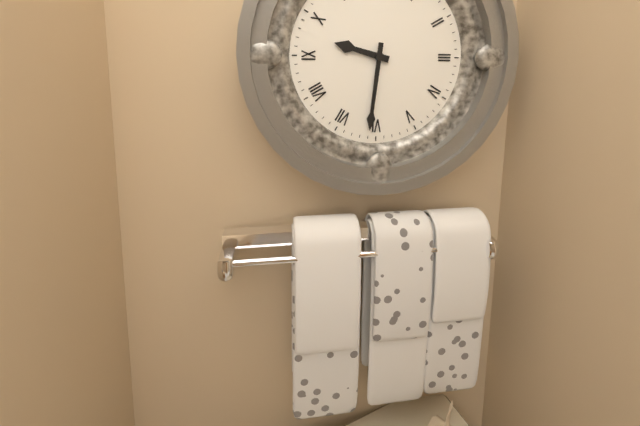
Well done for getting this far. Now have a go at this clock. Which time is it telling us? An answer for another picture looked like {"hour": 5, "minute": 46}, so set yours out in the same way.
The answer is {"hour": 9, "minute": 31}
